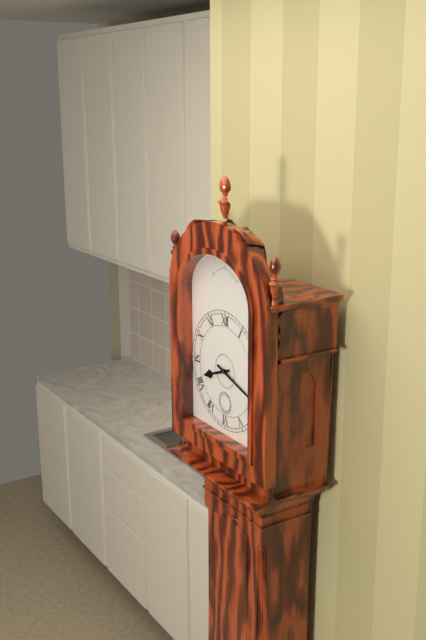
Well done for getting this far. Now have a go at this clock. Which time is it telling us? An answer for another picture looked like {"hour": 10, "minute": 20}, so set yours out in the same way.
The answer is {"hour": 8, "minute": 18}
